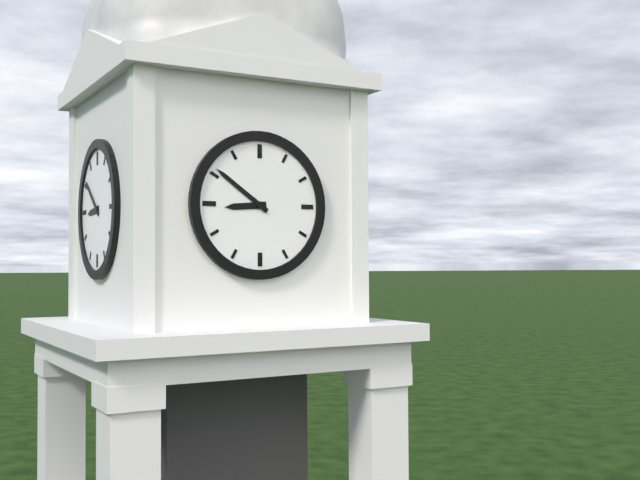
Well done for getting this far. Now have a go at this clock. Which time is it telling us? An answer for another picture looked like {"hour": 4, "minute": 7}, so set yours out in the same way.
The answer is {"hour": 8, "minute": 51}
